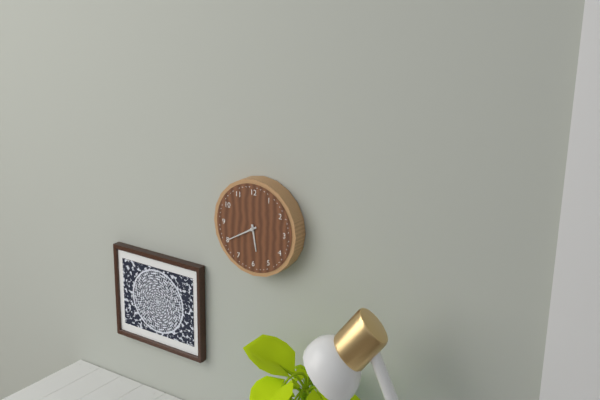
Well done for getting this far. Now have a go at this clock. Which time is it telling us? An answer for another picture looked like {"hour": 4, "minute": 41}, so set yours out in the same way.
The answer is {"hour": 5, "minute": 40}
